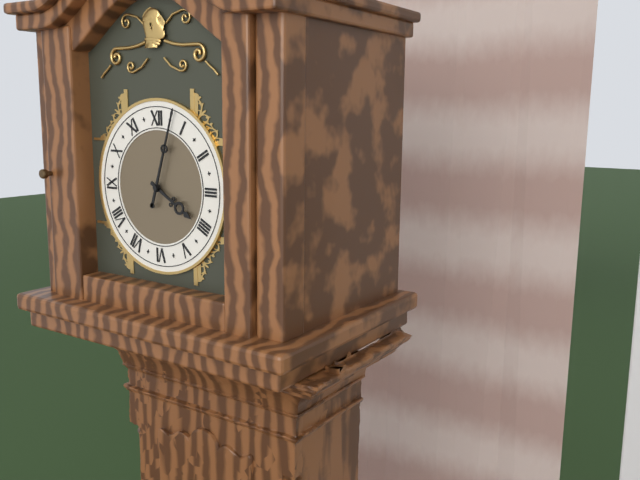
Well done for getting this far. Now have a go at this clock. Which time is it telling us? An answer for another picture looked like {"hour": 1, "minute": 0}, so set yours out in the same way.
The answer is {"hour": 4, "minute": 3}
